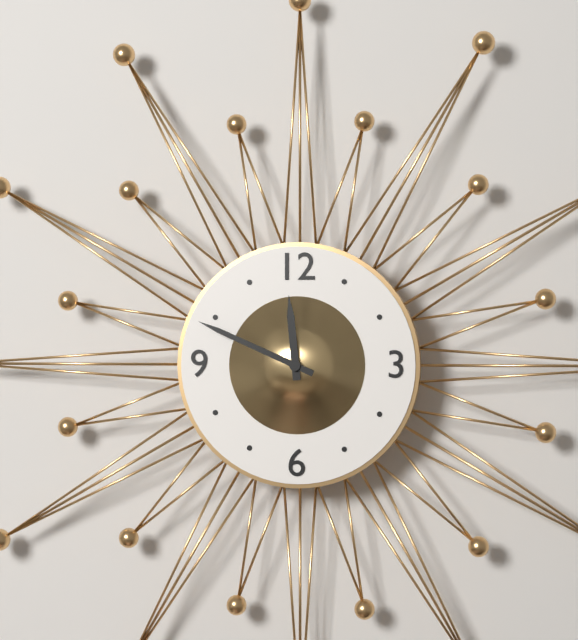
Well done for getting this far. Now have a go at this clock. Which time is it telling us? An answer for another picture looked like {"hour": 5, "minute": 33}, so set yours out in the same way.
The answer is {"hour": 11, "minute": 49}
